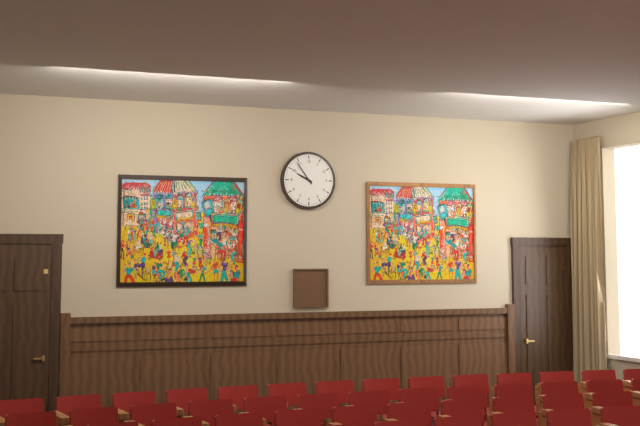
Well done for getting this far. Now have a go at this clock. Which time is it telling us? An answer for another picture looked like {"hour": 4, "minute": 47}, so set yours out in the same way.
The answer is {"hour": 9, "minute": 54}
